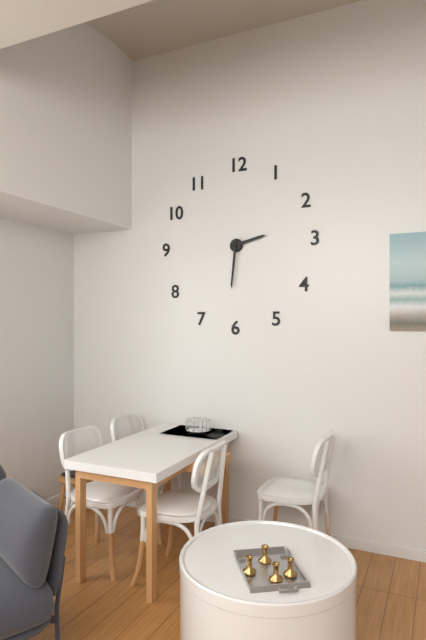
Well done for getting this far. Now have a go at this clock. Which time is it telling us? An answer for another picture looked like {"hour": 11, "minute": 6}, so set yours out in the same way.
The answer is {"hour": 2, "minute": 31}
